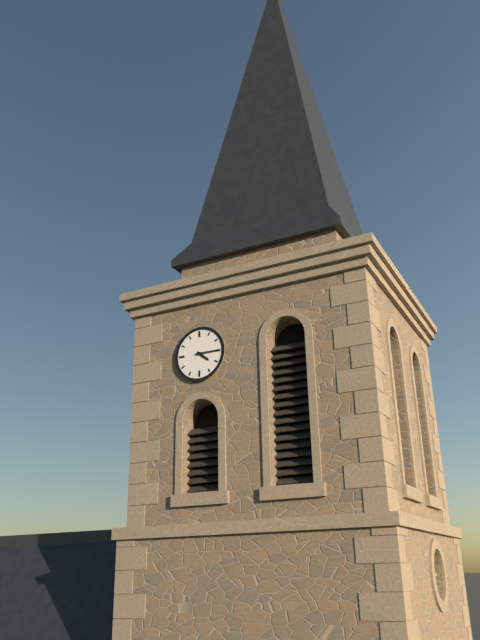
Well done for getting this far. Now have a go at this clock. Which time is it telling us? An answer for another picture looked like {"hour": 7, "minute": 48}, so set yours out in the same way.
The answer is {"hour": 4, "minute": 15}
